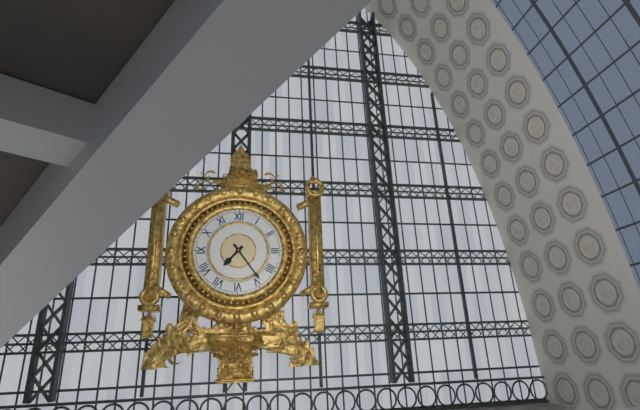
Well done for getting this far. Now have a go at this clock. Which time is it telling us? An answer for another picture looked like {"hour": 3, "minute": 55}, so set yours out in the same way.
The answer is {"hour": 7, "minute": 24}
